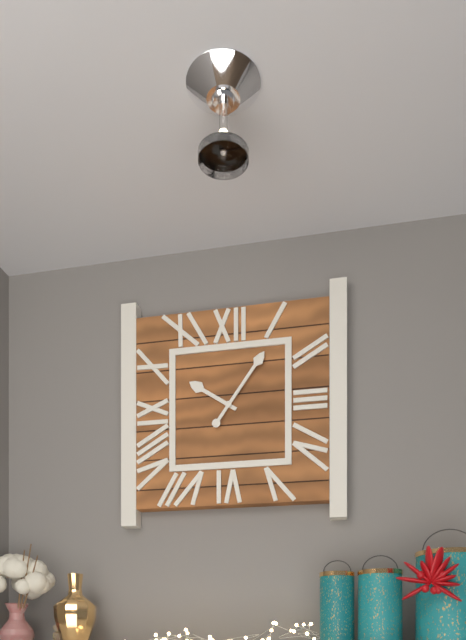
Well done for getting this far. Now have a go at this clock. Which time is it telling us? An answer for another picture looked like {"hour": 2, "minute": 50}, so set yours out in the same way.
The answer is {"hour": 10, "minute": 6}
